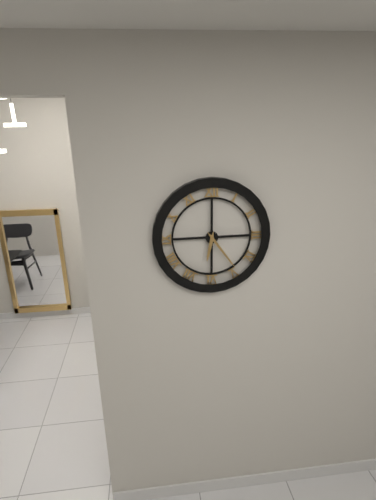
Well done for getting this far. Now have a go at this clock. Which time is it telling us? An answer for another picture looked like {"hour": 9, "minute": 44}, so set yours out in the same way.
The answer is {"hour": 6, "minute": 24}
